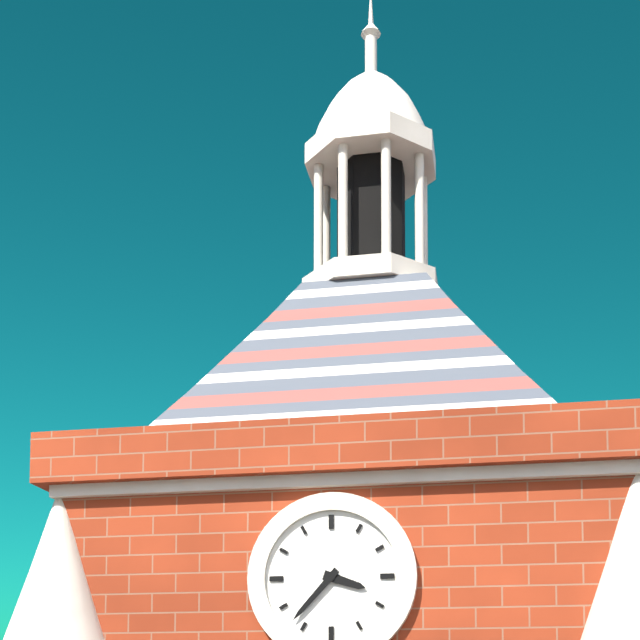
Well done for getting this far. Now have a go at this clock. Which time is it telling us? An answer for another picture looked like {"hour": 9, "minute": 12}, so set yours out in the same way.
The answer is {"hour": 3, "minute": 37}
